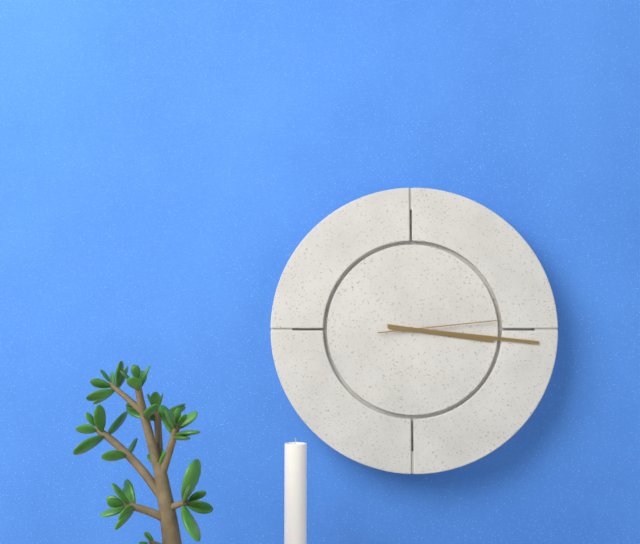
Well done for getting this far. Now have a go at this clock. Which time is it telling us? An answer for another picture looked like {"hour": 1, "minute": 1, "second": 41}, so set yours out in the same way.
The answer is {"hour": 3, "minute": 16, "second": 14}
